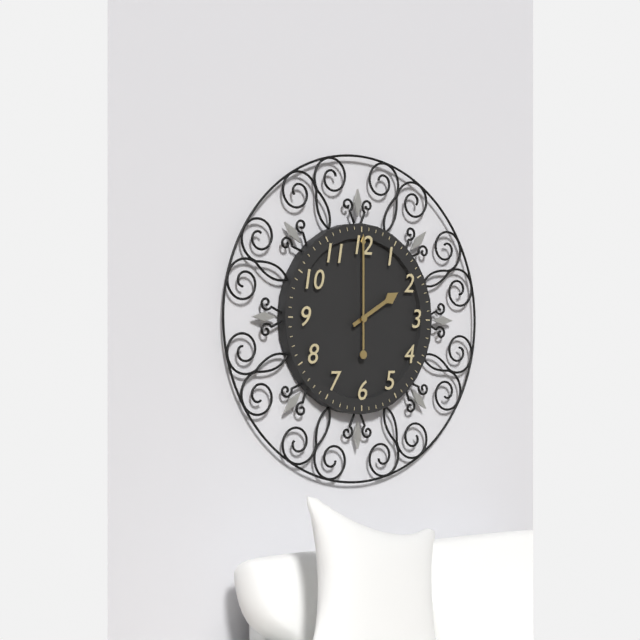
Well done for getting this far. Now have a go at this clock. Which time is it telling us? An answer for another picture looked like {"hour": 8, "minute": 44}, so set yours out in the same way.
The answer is {"hour": 2, "minute": 0}
